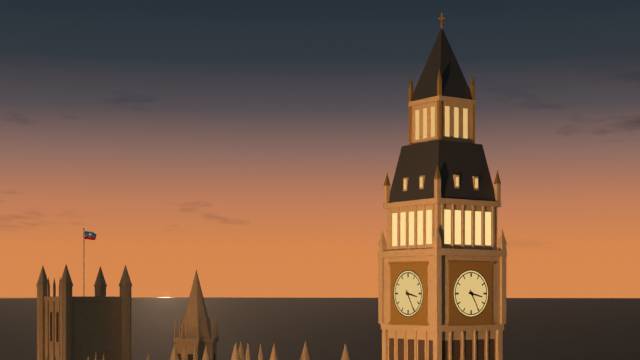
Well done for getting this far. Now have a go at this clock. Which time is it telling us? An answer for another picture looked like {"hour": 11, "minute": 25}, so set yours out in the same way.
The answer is {"hour": 3, "minute": 25}
